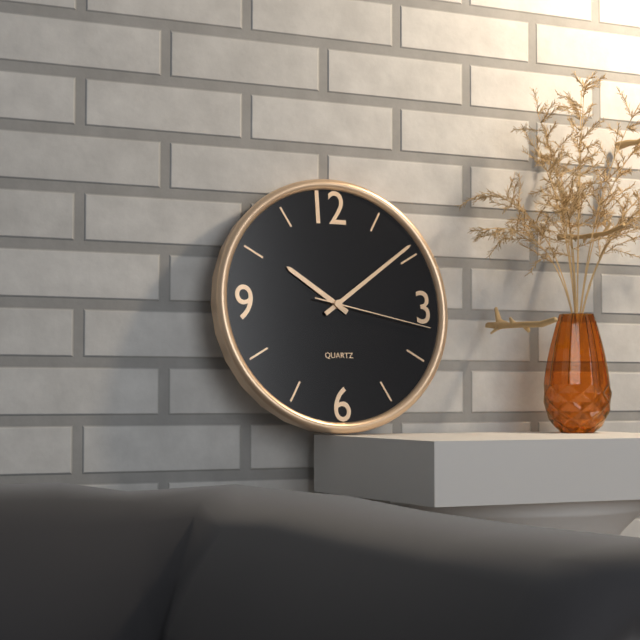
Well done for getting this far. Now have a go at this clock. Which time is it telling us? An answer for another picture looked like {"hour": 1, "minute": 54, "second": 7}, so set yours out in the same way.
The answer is {"hour": 10, "minute": 9, "second": 17}
